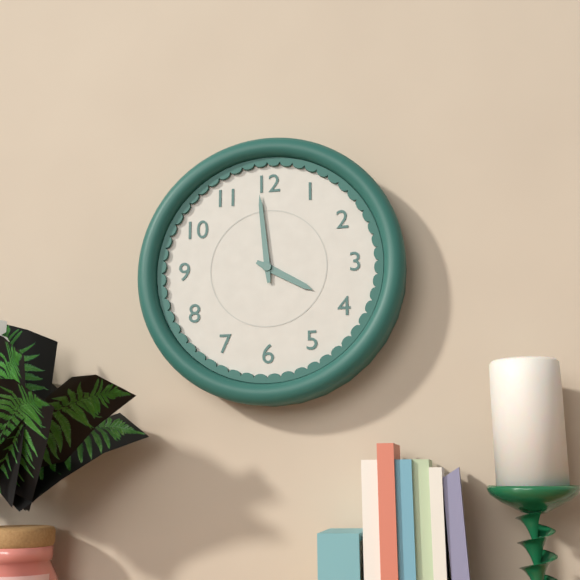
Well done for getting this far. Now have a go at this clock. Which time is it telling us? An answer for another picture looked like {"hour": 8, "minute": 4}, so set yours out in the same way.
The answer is {"hour": 3, "minute": 59}
